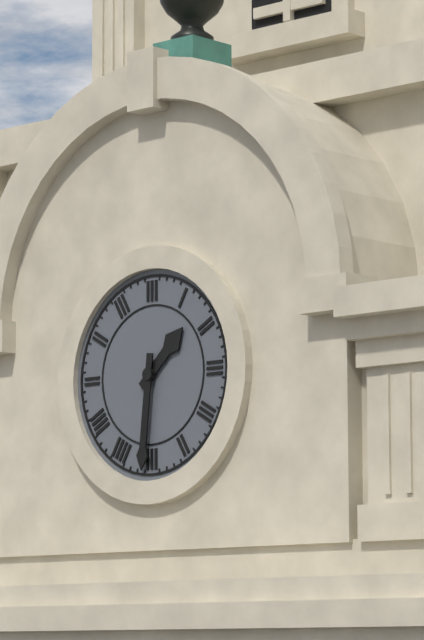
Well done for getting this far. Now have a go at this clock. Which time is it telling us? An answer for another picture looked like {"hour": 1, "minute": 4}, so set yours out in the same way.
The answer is {"hour": 1, "minute": 31}
